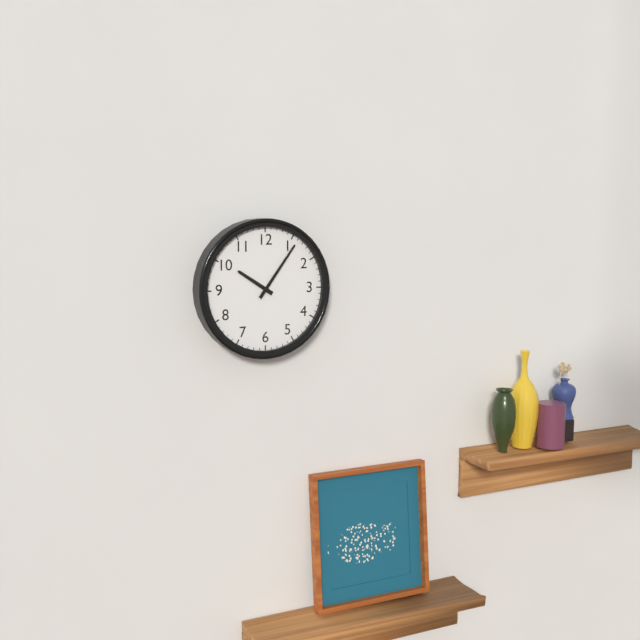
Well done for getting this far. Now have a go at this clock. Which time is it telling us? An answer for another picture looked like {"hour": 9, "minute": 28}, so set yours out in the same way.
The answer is {"hour": 10, "minute": 6}
